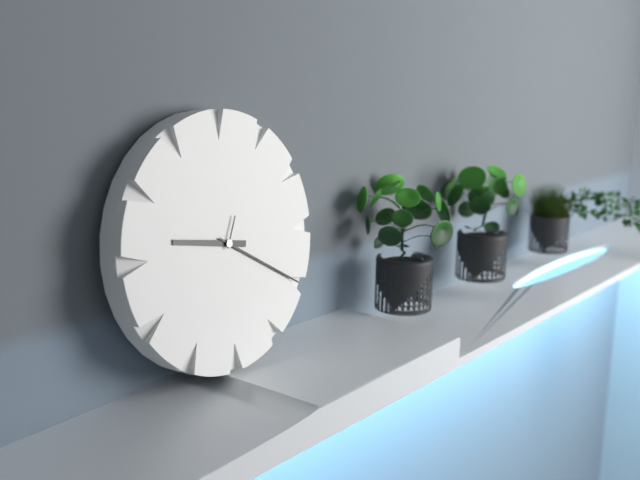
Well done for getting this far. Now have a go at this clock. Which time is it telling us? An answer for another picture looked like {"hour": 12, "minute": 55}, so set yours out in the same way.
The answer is {"hour": 9, "minute": 20}
